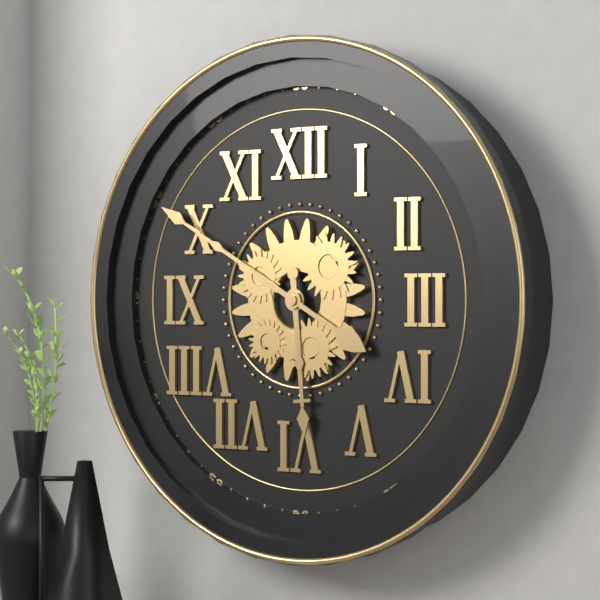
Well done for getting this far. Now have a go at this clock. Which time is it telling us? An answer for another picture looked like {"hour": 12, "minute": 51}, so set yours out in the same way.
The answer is {"hour": 5, "minute": 50}
